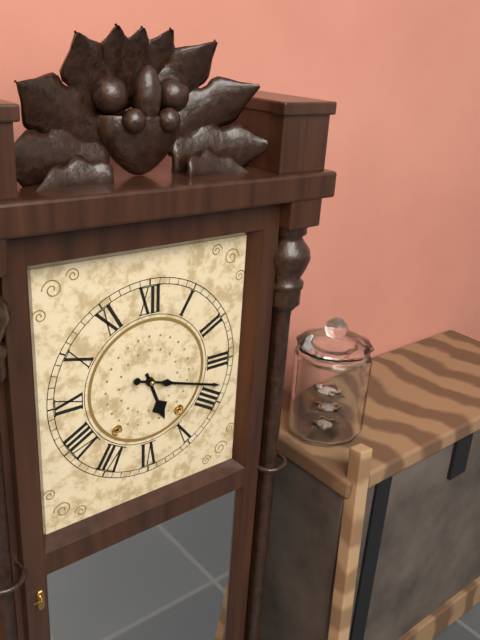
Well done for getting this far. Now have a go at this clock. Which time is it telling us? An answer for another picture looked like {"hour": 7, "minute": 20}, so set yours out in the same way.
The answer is {"hour": 5, "minute": 18}
